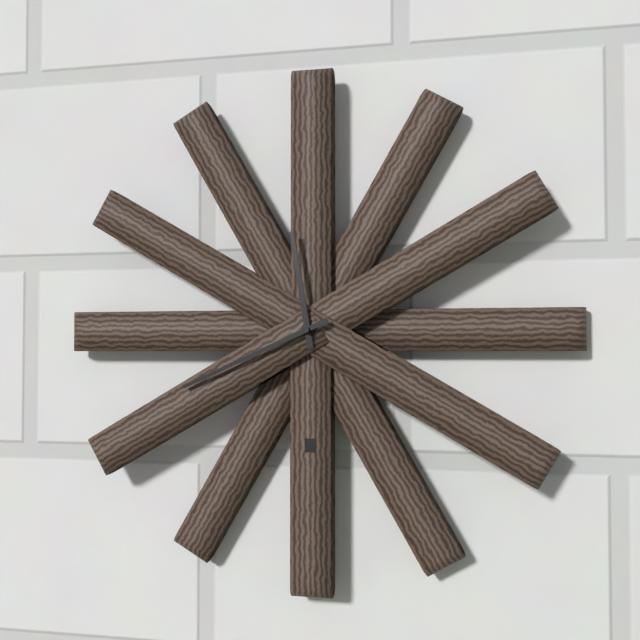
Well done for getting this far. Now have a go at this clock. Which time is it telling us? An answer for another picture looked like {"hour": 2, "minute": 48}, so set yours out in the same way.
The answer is {"hour": 11, "minute": 41}
